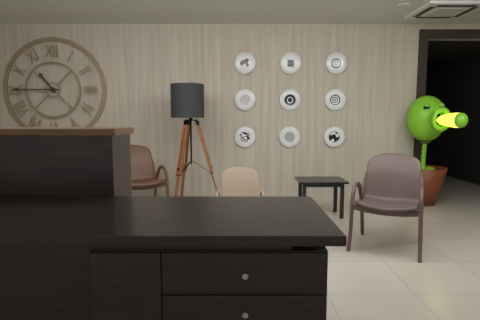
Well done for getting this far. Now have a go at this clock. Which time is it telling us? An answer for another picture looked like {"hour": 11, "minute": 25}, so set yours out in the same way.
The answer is {"hour": 10, "minute": 45}
